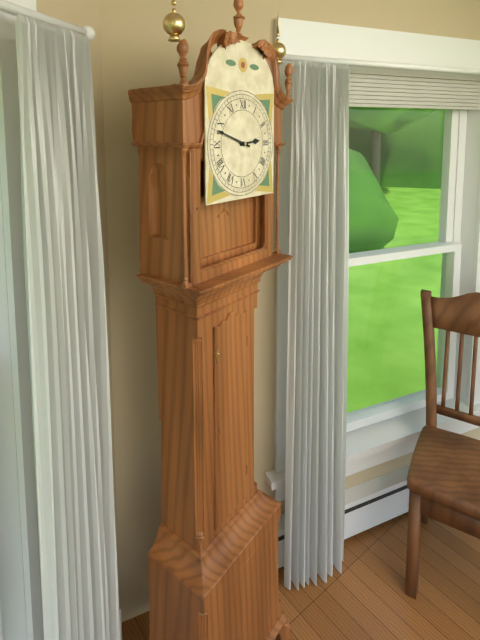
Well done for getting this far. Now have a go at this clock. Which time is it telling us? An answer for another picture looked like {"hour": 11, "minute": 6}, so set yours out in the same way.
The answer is {"hour": 2, "minute": 48}
